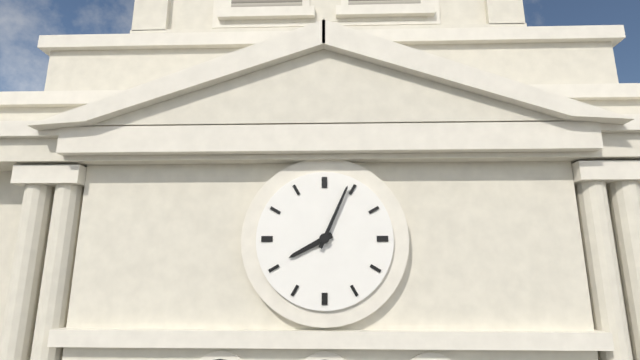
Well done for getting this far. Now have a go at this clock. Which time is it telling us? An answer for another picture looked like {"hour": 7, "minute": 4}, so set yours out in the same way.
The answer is {"hour": 8, "minute": 4}
